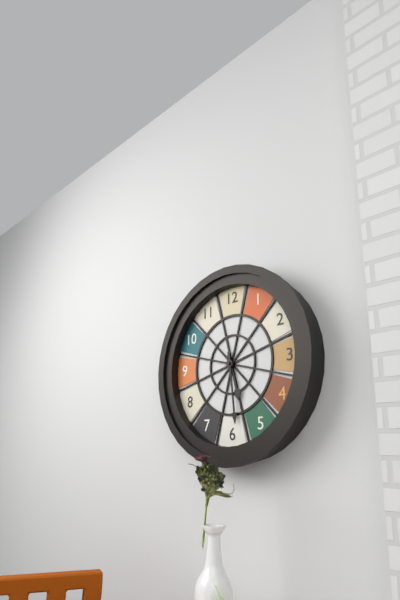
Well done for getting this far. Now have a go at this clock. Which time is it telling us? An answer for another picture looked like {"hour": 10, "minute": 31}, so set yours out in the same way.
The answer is {"hour": 5, "minute": 29}
